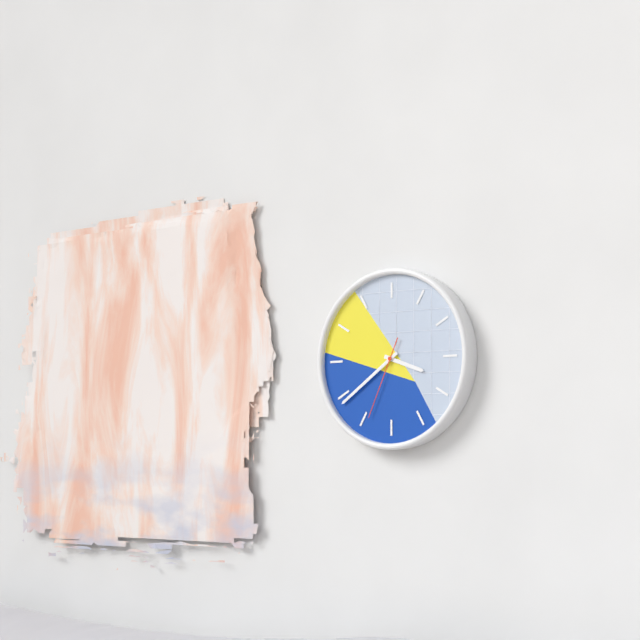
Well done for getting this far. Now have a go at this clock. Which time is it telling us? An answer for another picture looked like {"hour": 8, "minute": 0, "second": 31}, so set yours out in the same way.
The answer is {"hour": 3, "minute": 39, "second": 34}
